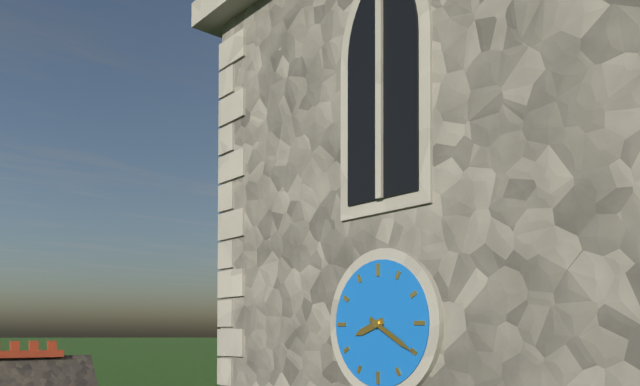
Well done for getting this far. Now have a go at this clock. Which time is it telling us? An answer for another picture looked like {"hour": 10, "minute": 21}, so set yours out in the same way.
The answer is {"hour": 8, "minute": 20}
